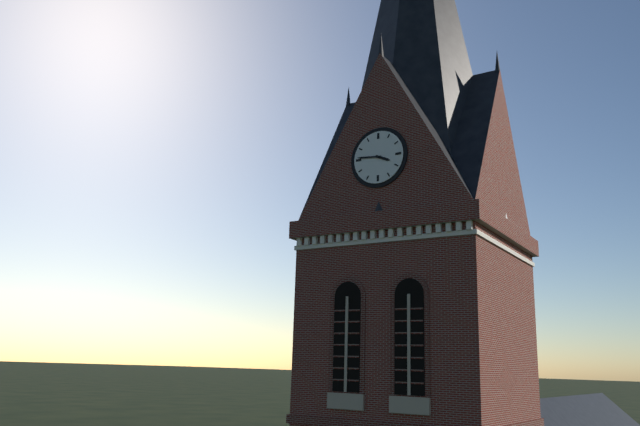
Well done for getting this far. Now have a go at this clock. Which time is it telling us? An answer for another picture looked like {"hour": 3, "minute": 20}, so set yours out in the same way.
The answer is {"hour": 3, "minute": 46}
